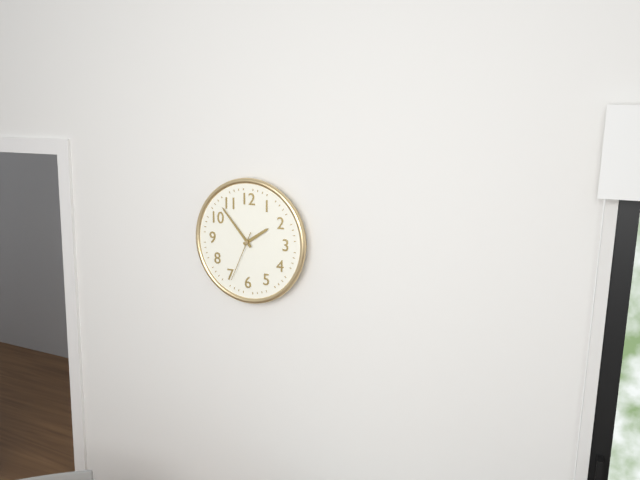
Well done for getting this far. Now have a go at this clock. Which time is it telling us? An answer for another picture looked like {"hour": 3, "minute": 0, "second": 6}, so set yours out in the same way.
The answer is {"hour": 1, "minute": 53, "second": 34}
